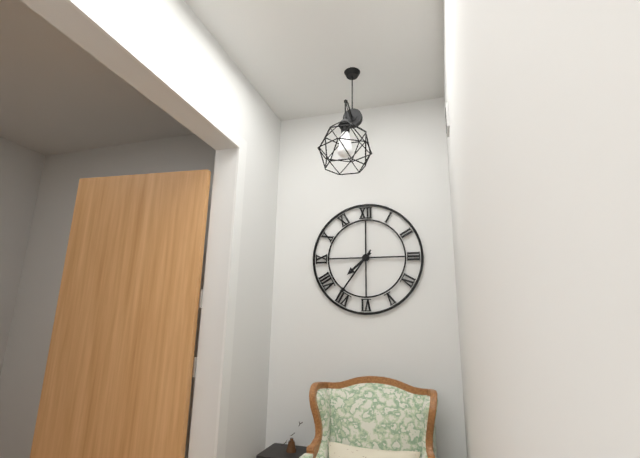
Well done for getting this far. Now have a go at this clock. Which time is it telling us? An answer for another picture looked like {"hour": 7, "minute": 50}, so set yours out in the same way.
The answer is {"hour": 7, "minute": 36}
